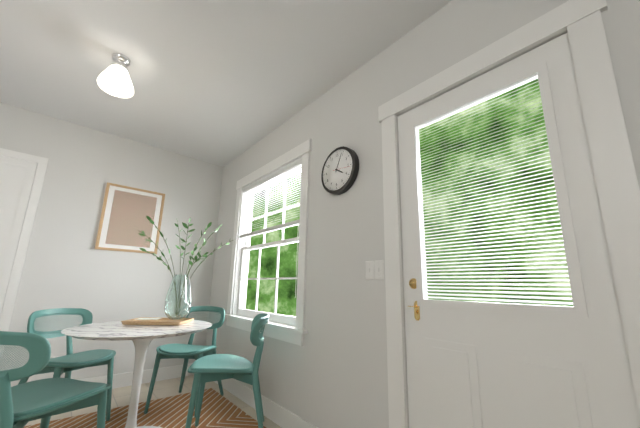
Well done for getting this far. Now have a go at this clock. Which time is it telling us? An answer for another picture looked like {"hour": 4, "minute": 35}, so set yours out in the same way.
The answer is {"hour": 4, "minute": 4}
